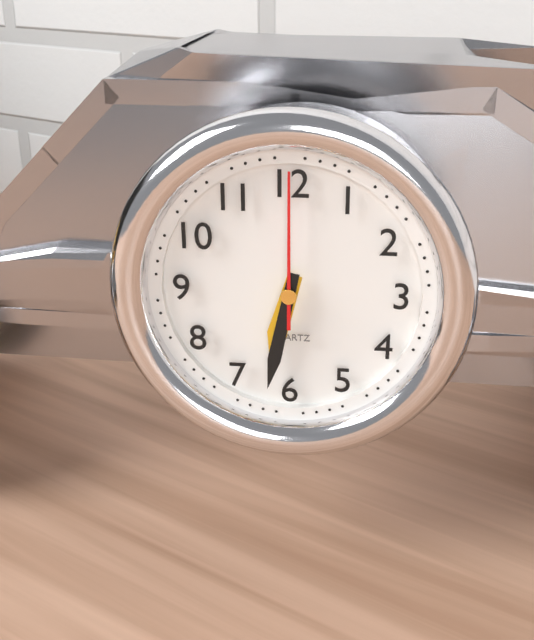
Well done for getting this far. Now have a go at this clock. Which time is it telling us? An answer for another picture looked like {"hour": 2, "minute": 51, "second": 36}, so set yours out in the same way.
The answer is {"hour": 6, "minute": 32, "second": 0}
